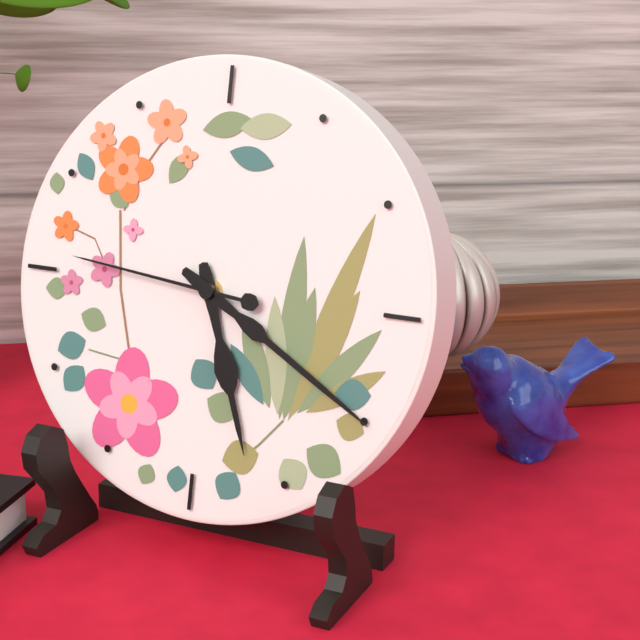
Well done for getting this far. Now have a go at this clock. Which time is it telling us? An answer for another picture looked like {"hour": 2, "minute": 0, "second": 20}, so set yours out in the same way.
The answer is {"hour": 5, "minute": 20, "second": 46}
